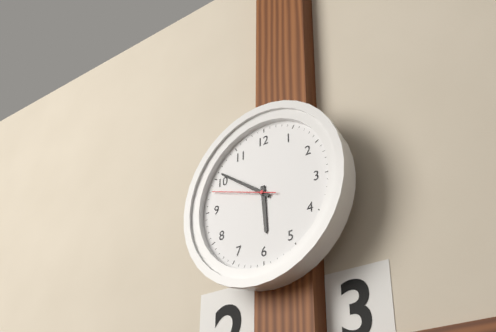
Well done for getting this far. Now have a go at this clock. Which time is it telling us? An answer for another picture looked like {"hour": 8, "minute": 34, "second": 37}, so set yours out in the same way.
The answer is {"hour": 5, "minute": 51, "second": 48}
